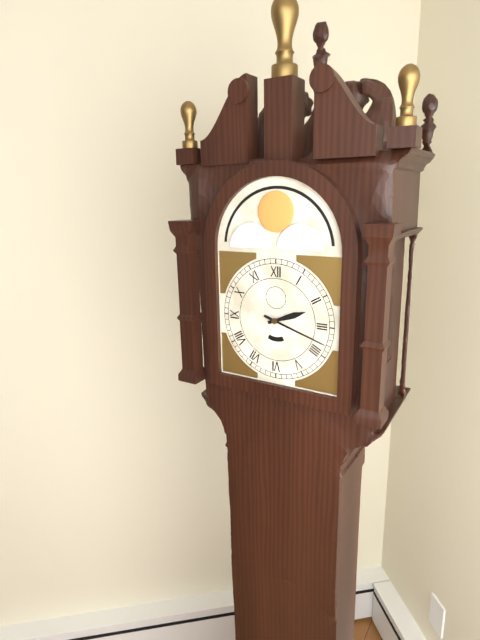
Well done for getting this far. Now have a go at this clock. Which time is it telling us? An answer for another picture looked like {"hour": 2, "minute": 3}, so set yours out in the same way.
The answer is {"hour": 2, "minute": 18}
